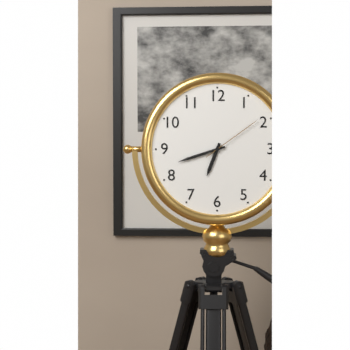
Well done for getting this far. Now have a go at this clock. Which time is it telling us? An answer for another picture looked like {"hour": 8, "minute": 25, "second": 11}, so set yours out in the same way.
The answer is {"hour": 6, "minute": 42, "second": 9}
